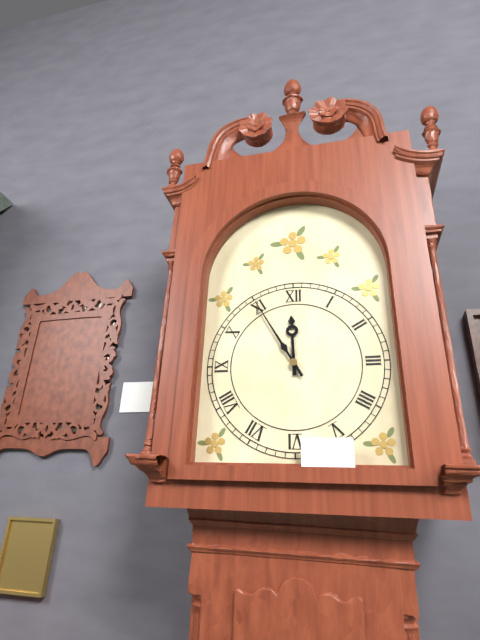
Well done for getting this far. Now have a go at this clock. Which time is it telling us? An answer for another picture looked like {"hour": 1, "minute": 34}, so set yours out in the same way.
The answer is {"hour": 11, "minute": 55}
